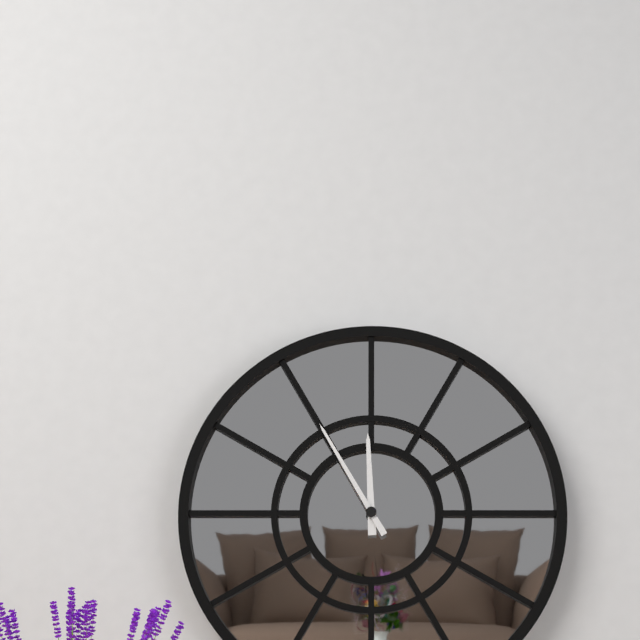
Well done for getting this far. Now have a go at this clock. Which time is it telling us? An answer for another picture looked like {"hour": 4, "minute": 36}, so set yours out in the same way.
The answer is {"hour": 11, "minute": 55}
